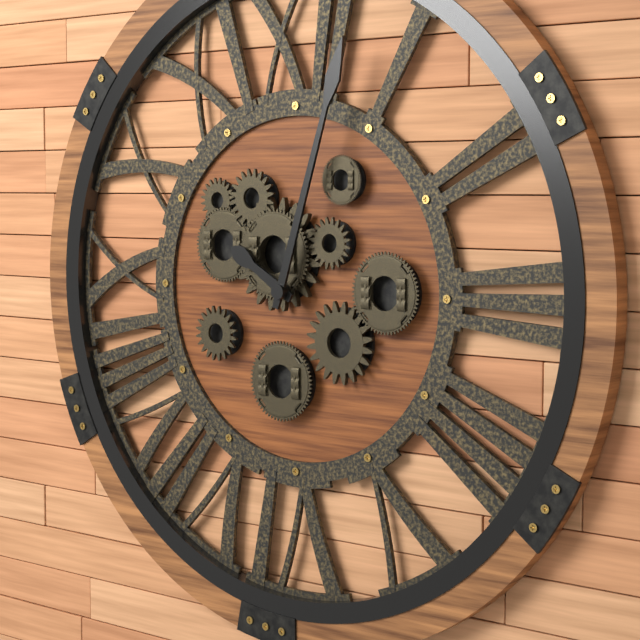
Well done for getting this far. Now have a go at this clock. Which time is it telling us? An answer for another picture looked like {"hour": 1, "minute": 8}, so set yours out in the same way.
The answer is {"hour": 10, "minute": 3}
